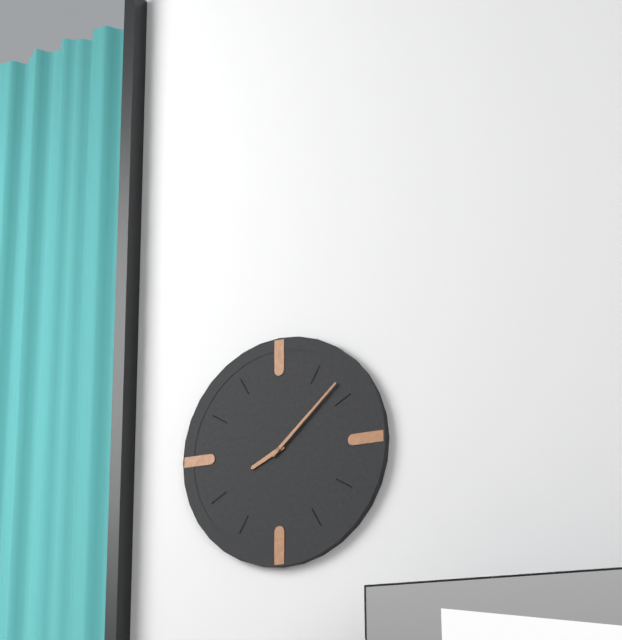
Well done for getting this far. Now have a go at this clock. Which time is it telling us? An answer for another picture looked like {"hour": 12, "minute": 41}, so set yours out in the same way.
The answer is {"hour": 8, "minute": 8}
